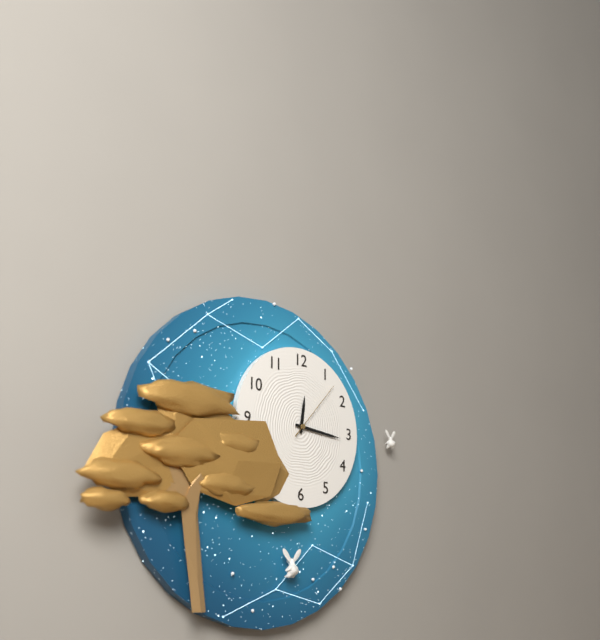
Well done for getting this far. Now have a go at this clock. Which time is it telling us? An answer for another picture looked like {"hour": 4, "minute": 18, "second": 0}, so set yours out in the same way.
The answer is {"hour": 12, "minute": 16, "second": 7}
